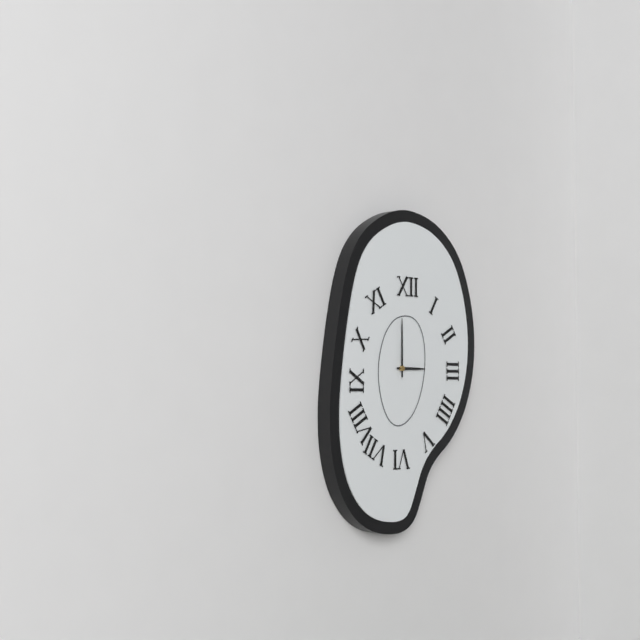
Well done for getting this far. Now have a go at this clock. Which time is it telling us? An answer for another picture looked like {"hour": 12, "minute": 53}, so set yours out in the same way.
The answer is {"hour": 3, "minute": 0}
